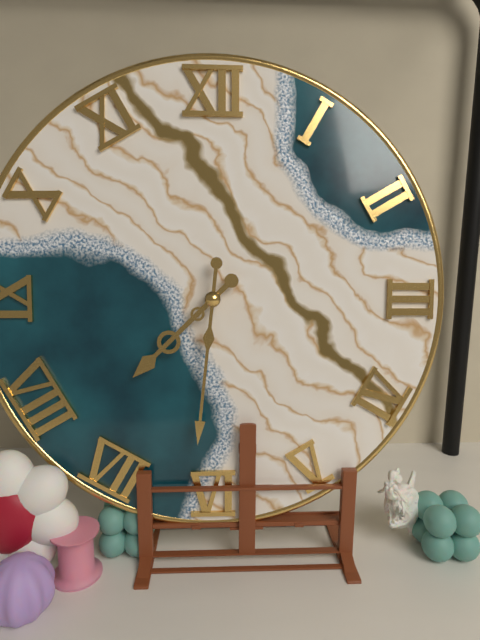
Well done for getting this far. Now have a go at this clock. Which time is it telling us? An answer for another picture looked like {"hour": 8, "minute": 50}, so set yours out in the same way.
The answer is {"hour": 7, "minute": 31}
